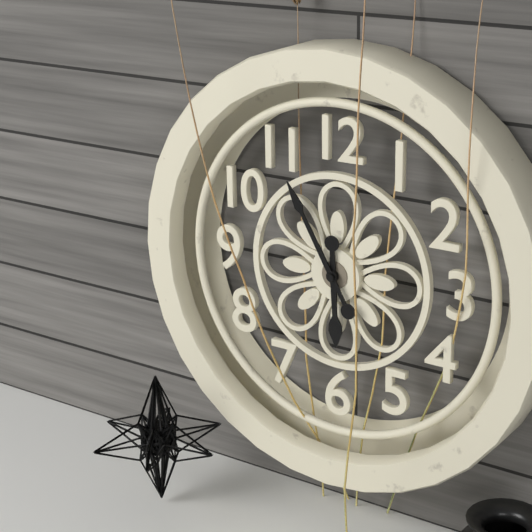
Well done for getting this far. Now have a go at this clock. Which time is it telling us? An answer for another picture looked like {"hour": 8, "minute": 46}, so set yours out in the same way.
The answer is {"hour": 5, "minute": 55}
